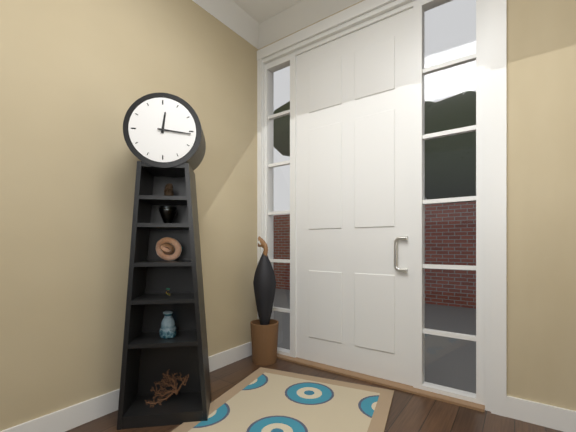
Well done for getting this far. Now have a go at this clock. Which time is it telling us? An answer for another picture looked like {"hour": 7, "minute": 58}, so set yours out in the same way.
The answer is {"hour": 12, "minute": 16}
